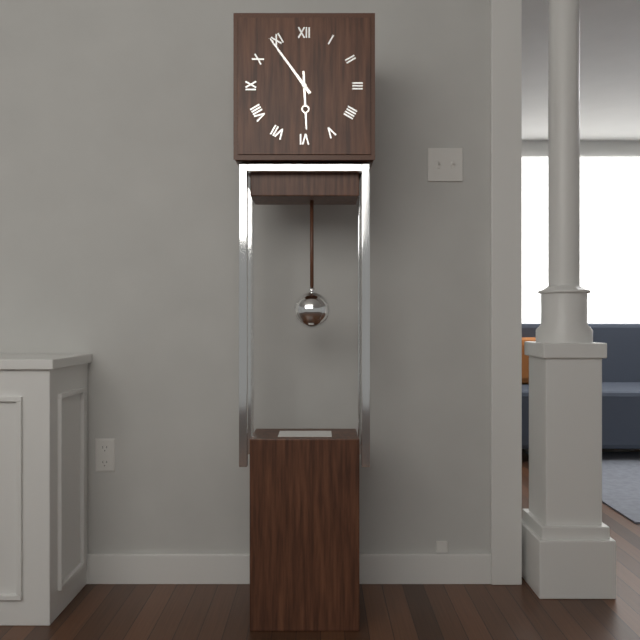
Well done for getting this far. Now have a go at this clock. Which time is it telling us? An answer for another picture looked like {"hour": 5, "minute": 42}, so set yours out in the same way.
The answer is {"hour": 5, "minute": 54}
